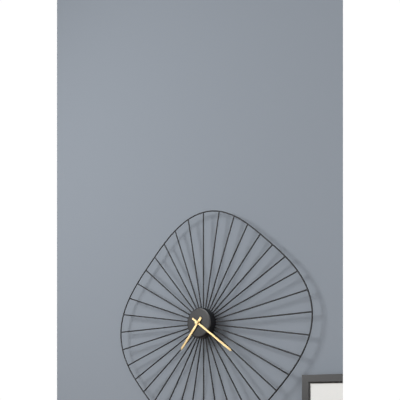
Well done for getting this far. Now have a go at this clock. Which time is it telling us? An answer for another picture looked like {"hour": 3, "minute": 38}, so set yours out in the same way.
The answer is {"hour": 7, "minute": 21}
